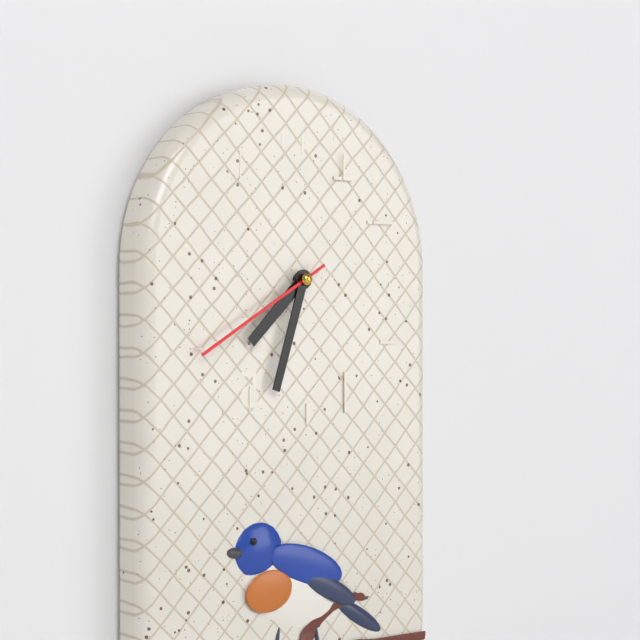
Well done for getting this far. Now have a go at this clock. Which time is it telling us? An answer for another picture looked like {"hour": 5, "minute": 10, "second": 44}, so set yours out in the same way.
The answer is {"hour": 7, "minute": 33, "second": 40}
